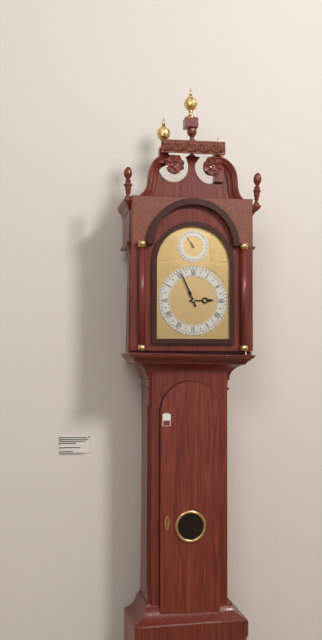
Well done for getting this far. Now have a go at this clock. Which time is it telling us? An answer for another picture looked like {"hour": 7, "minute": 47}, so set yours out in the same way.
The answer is {"hour": 2, "minute": 56}
